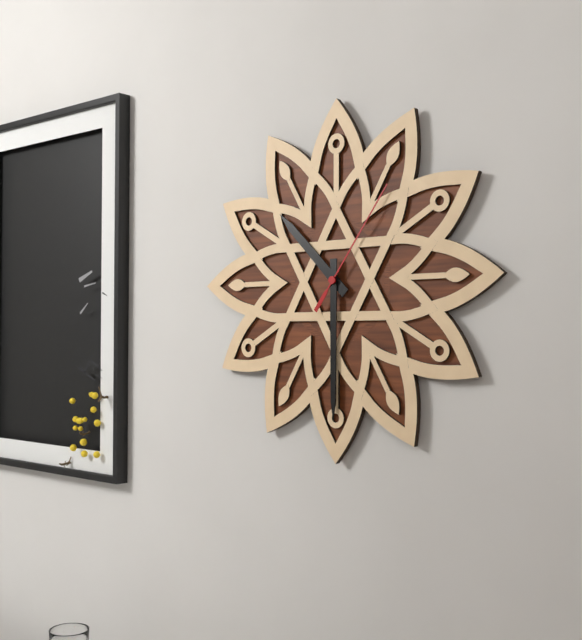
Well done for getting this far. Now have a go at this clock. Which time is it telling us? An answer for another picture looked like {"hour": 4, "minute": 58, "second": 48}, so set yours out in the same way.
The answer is {"hour": 10, "minute": 30, "second": 6}
